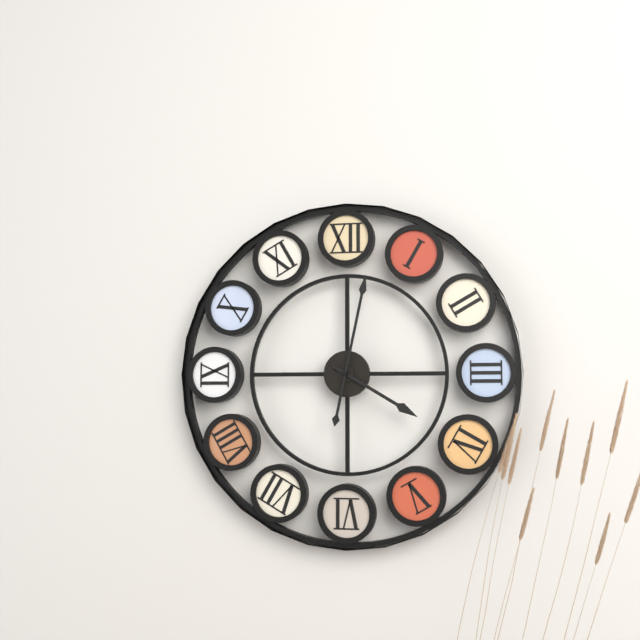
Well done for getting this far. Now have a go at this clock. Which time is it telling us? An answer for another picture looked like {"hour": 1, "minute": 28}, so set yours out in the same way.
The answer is {"hour": 4, "minute": 2}
